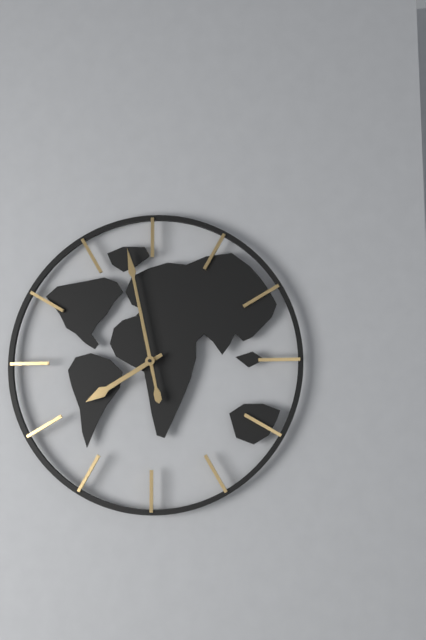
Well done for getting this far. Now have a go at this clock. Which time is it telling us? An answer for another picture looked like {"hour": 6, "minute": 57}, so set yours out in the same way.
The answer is {"hour": 7, "minute": 58}
